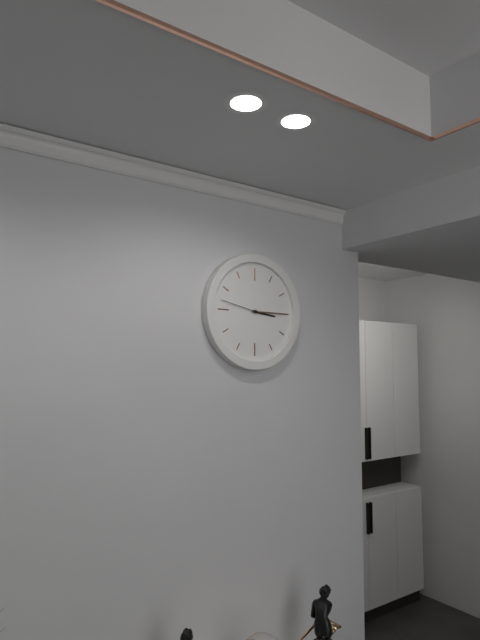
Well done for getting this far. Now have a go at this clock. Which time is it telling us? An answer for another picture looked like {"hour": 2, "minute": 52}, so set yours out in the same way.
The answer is {"hour": 3, "minute": 15}
